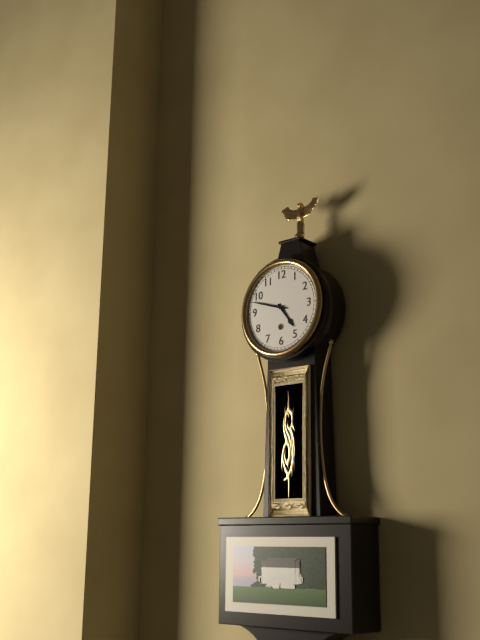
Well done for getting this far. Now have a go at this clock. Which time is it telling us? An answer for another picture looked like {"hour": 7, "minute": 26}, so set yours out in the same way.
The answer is {"hour": 4, "minute": 48}
